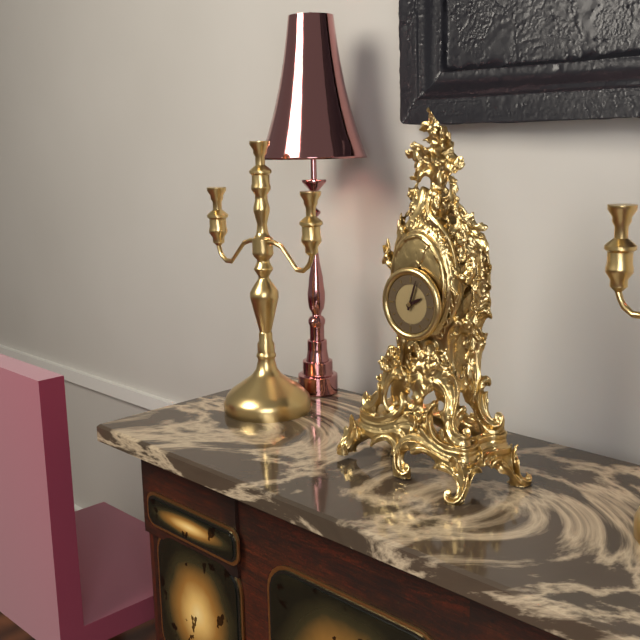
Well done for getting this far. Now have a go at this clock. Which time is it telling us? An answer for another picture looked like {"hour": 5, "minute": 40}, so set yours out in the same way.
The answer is {"hour": 2, "minute": 3}
